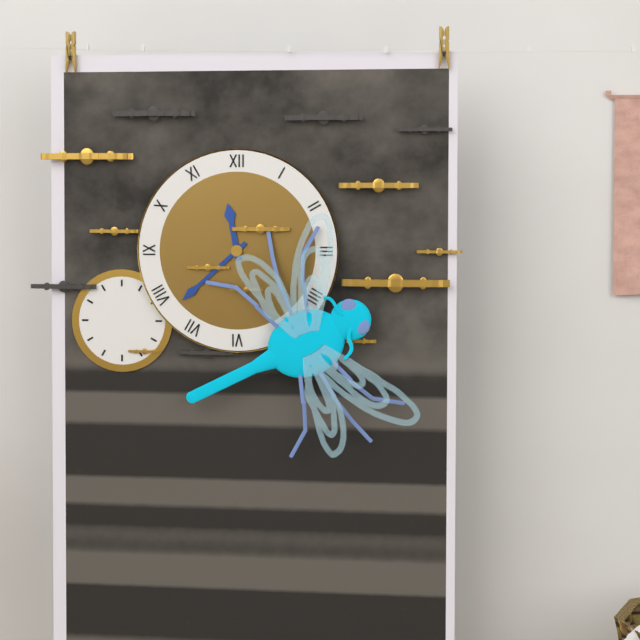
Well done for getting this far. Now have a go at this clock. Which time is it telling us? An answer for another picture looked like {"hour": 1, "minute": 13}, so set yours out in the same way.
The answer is {"hour": 11, "minute": 38}
